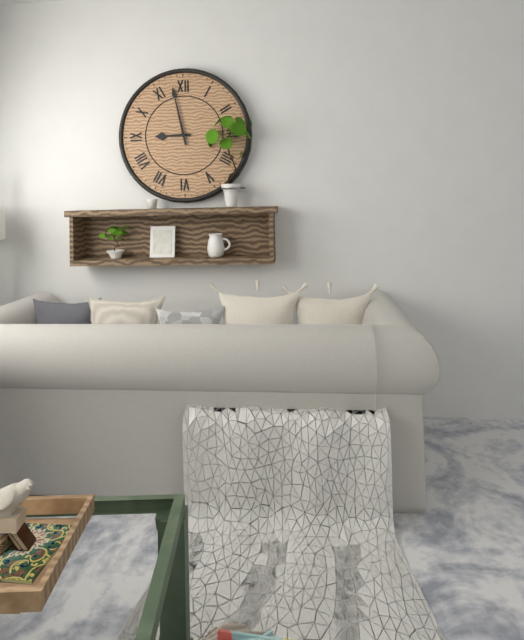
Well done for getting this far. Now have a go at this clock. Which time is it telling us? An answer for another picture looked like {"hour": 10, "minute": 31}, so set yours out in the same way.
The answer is {"hour": 8, "minute": 58}
